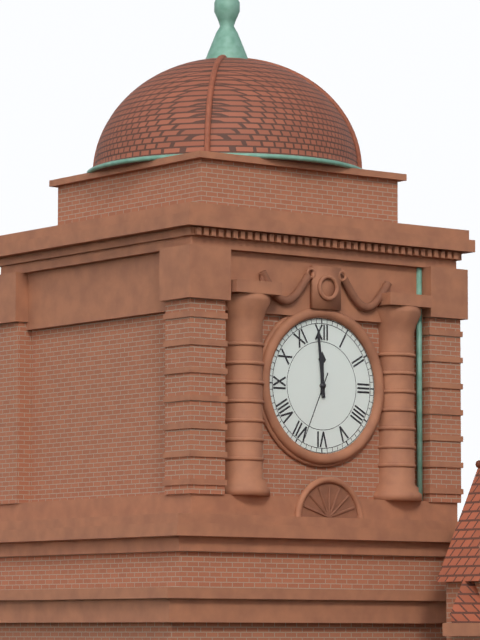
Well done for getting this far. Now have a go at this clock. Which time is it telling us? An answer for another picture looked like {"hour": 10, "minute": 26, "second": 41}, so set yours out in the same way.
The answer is {"hour": 11, "minute": 59, "second": 34}
